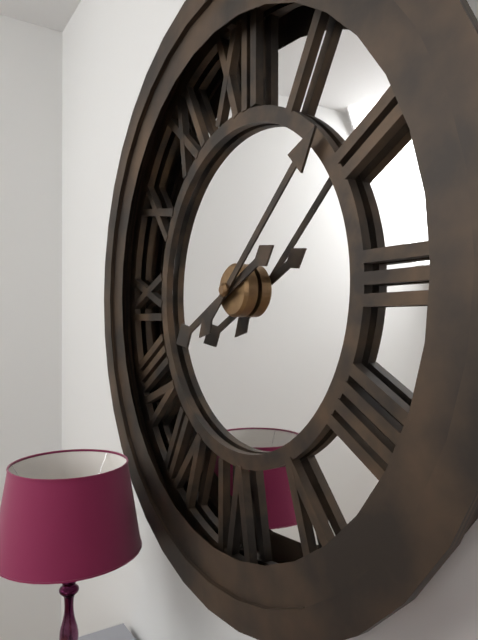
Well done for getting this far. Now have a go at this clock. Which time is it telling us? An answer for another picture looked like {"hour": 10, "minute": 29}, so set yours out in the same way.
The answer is {"hour": 8, "minute": 8}
